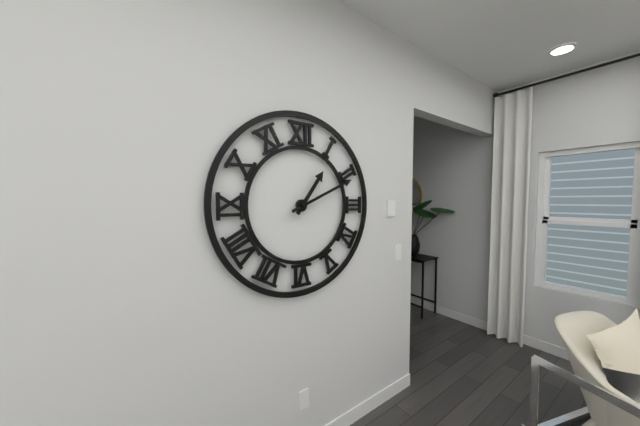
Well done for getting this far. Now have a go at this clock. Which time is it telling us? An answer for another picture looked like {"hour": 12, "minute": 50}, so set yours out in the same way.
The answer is {"hour": 1, "minute": 11}
